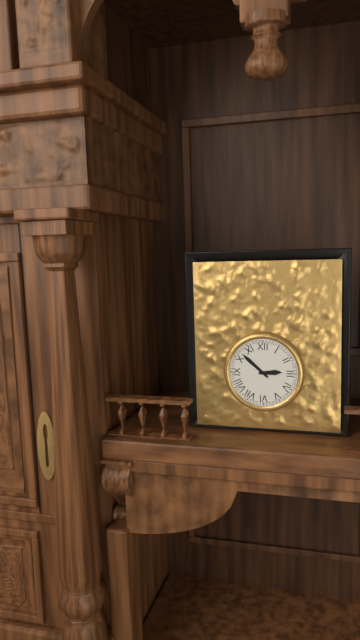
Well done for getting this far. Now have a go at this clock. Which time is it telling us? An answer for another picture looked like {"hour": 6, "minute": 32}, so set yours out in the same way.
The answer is {"hour": 2, "minute": 52}
